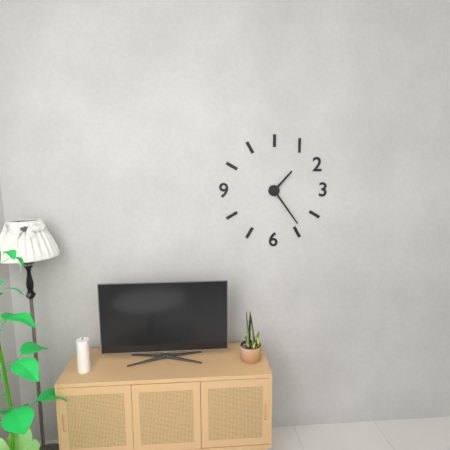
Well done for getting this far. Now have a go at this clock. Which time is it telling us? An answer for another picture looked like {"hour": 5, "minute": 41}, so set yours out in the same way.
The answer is {"hour": 1, "minute": 24}
